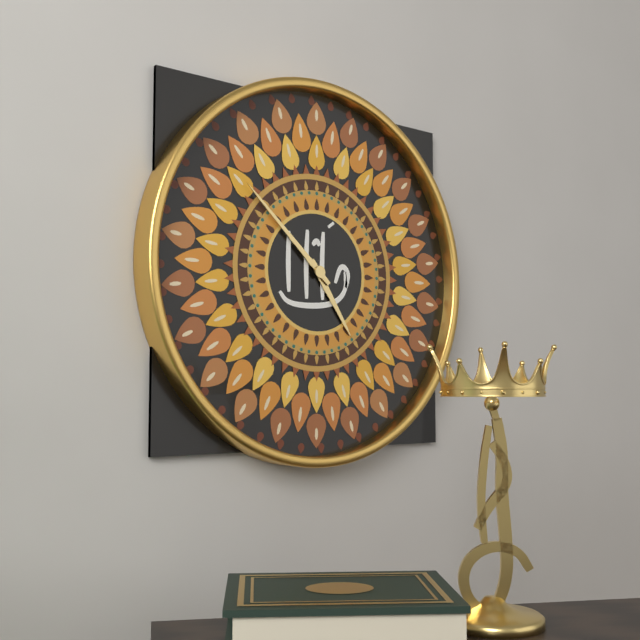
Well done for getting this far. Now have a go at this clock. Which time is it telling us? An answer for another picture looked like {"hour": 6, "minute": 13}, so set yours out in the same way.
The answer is {"hour": 4, "minute": 52}
